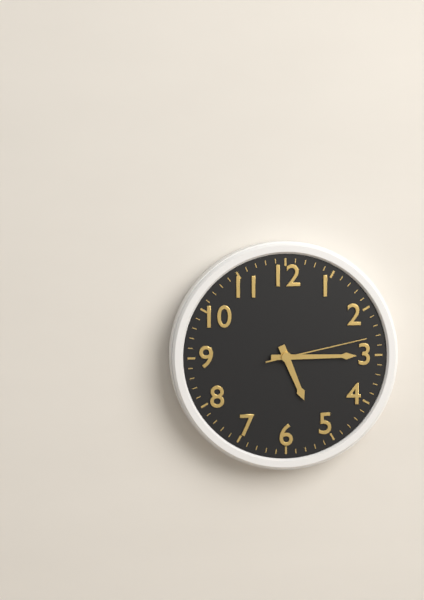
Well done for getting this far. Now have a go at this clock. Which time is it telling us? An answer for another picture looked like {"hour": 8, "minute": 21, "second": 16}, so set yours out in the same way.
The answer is {"hour": 5, "minute": 15, "second": 13}
